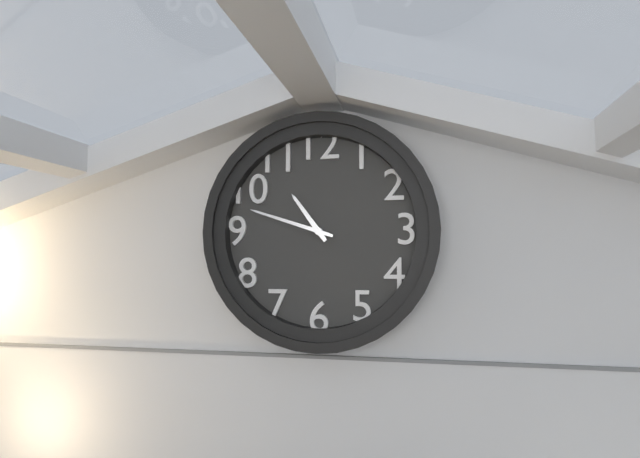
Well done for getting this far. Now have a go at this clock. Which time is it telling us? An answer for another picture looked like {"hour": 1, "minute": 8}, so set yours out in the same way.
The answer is {"hour": 10, "minute": 48}
